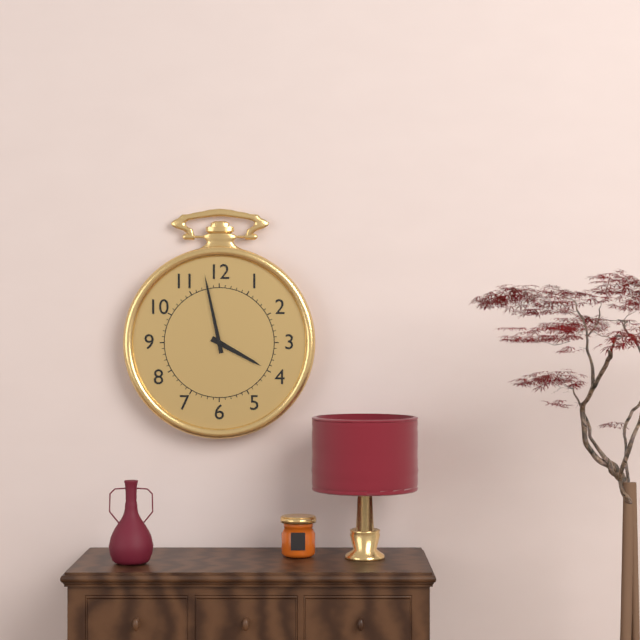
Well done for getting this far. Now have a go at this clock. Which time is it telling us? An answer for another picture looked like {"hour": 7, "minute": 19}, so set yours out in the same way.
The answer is {"hour": 3, "minute": 58}
